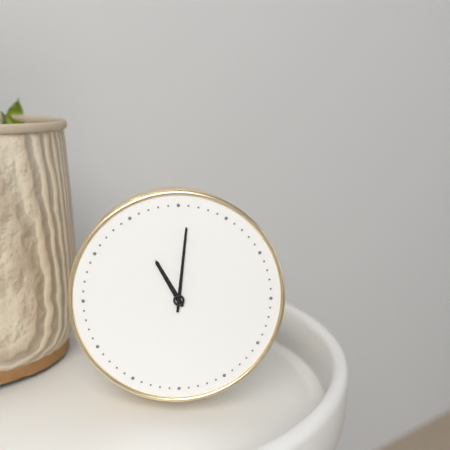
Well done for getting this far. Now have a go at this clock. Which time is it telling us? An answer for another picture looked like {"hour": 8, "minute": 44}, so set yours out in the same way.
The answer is {"hour": 11, "minute": 1}
